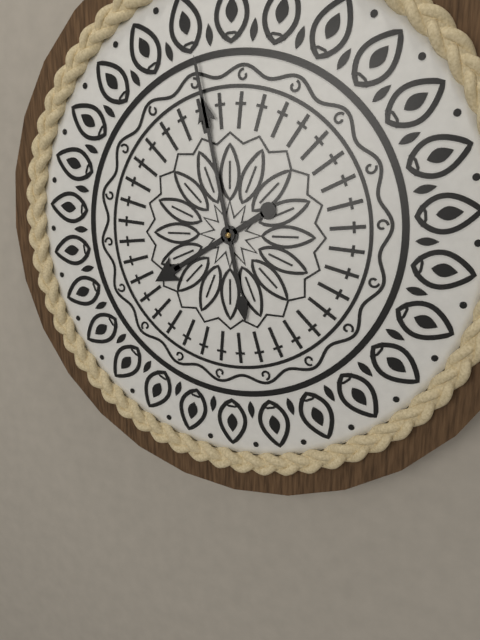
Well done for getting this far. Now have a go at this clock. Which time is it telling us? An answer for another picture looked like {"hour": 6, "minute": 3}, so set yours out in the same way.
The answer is {"hour": 7, "minute": 58}
